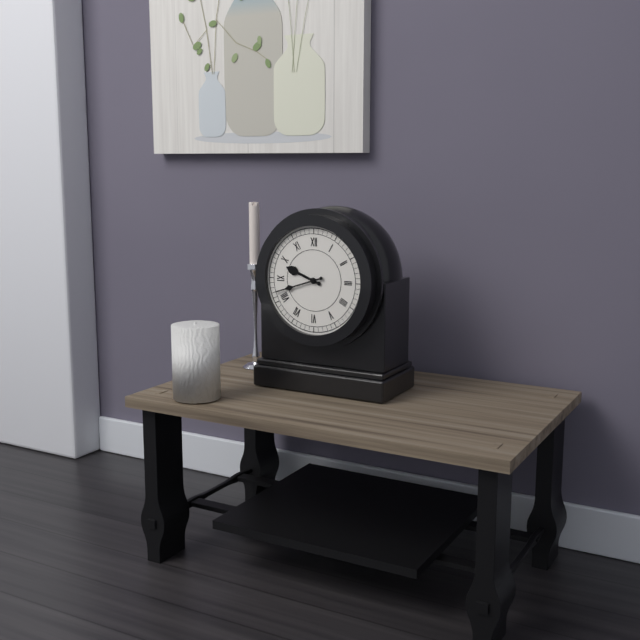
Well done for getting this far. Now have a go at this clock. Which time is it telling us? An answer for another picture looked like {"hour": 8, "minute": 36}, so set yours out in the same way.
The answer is {"hour": 9, "minute": 42}
